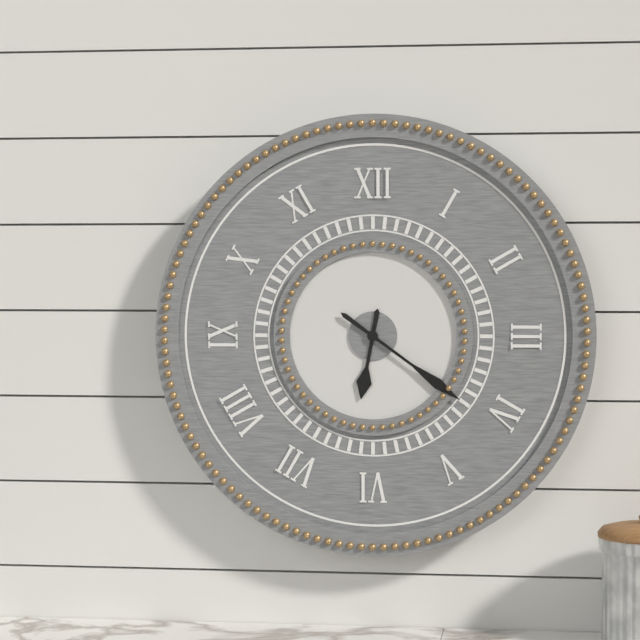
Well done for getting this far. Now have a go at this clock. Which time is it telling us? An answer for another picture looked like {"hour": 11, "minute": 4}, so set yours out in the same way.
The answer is {"hour": 6, "minute": 21}
